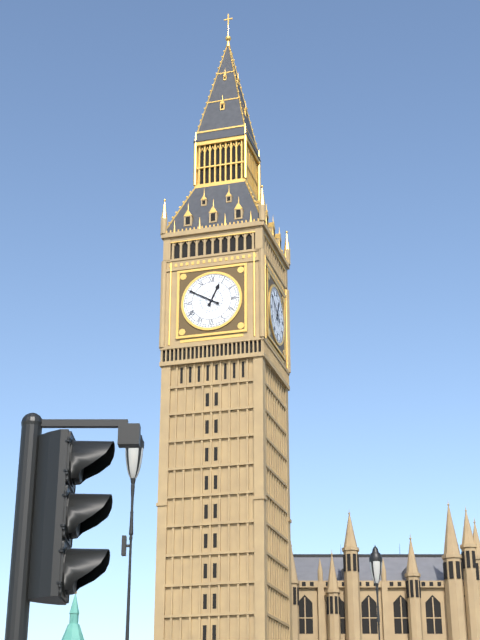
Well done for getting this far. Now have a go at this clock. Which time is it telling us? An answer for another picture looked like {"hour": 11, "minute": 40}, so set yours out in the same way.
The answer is {"hour": 12, "minute": 50}
